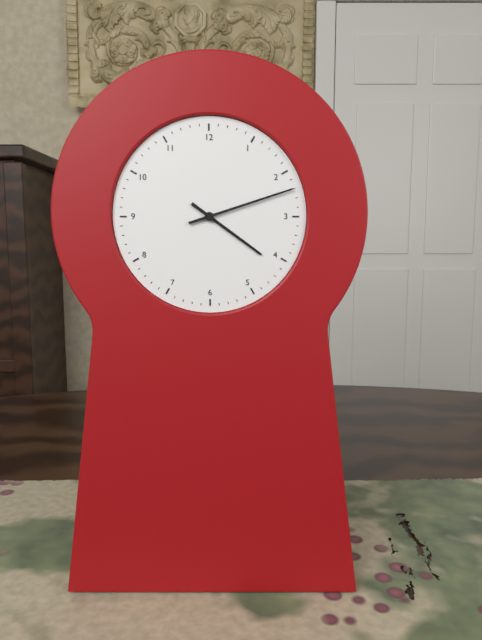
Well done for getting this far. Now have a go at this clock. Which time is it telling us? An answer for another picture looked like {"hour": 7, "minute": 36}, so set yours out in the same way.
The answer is {"hour": 4, "minute": 12}
